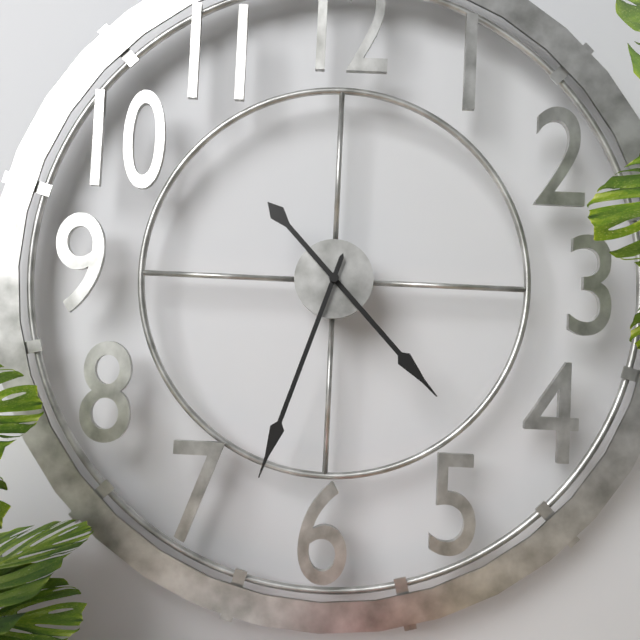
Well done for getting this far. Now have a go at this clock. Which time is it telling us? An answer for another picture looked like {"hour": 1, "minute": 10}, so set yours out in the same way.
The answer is {"hour": 4, "minute": 33}
